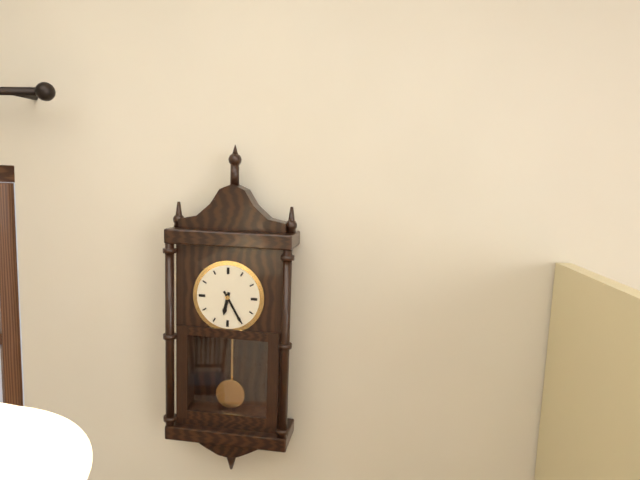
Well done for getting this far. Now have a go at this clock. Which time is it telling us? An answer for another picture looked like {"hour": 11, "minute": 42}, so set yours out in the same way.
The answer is {"hour": 6, "minute": 25}
